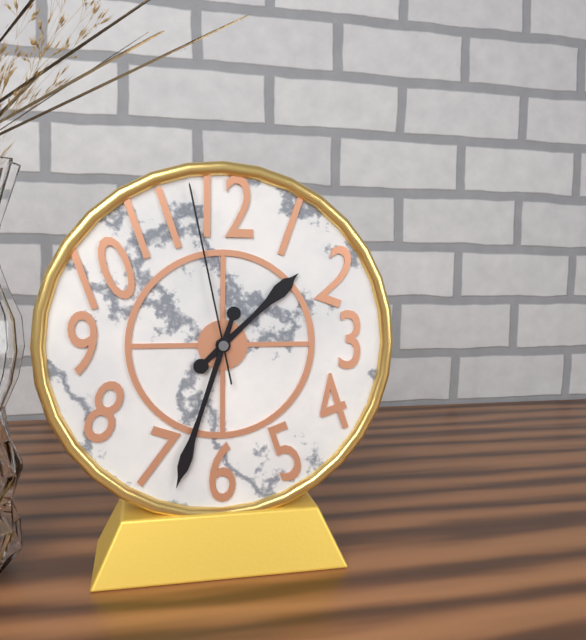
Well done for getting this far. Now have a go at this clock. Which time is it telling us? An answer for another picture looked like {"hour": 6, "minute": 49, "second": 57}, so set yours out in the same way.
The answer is {"hour": 1, "minute": 33, "second": 58}
